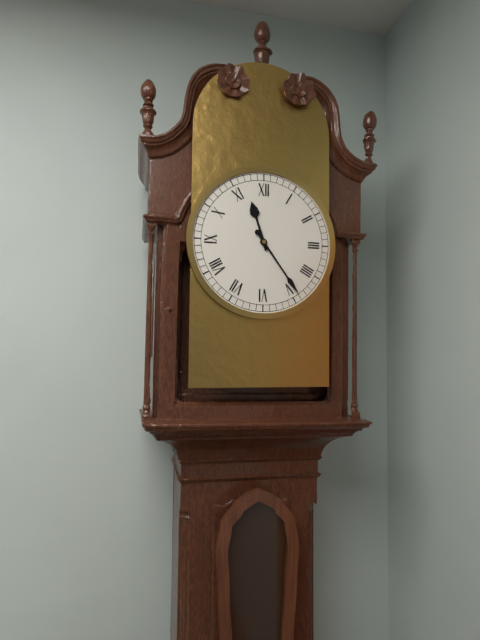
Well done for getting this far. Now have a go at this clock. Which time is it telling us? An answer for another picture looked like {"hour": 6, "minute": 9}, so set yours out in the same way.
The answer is {"hour": 11, "minute": 24}
